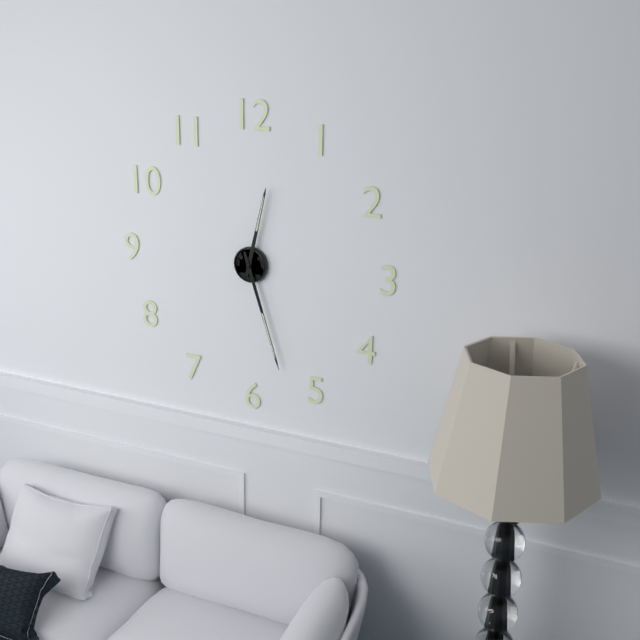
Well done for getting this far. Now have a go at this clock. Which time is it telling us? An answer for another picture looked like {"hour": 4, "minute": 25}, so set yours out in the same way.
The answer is {"hour": 12, "minute": 27}
